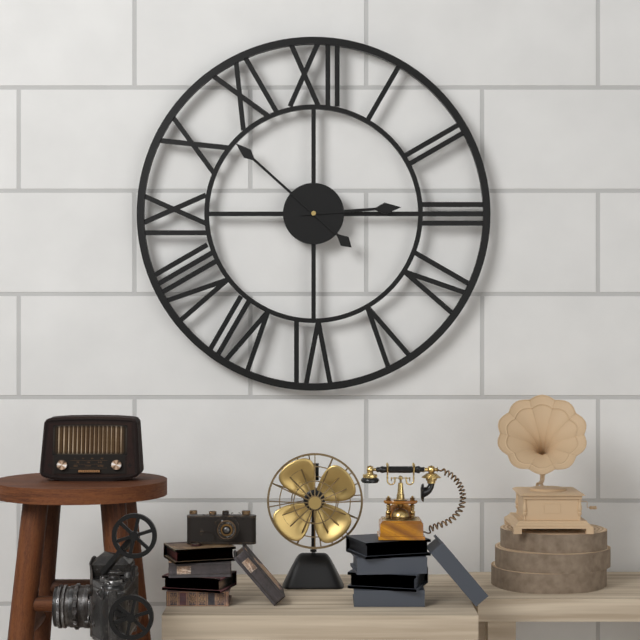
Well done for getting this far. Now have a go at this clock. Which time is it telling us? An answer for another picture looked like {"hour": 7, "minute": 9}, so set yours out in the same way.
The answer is {"hour": 2, "minute": 52}
